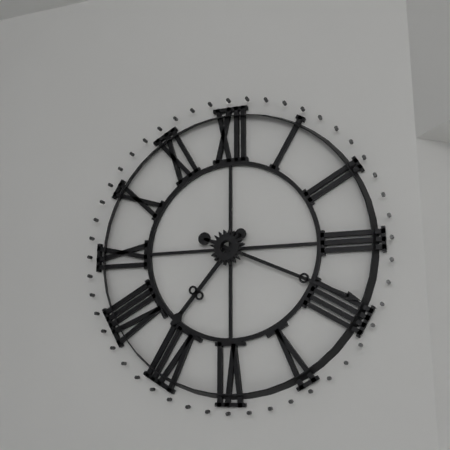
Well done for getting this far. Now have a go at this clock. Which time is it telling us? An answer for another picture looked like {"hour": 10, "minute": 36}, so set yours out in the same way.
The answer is {"hour": 7, "minute": 19}
